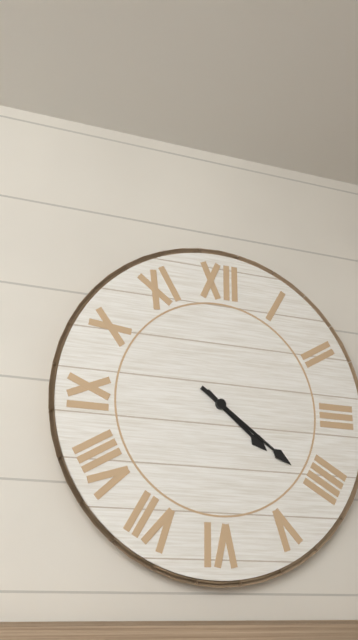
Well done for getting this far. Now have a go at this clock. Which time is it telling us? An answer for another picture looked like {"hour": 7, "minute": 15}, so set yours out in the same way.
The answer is {"hour": 4, "minute": 21}
